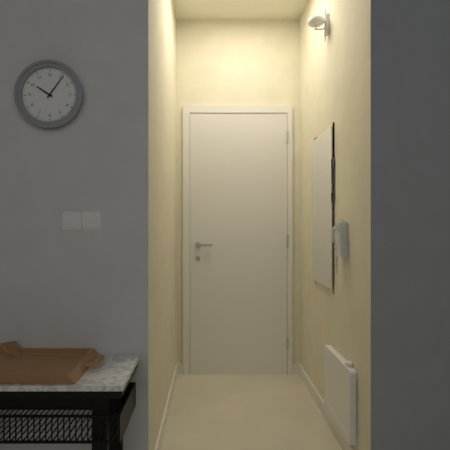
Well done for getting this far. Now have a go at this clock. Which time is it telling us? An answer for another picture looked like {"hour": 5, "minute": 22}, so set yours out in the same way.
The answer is {"hour": 10, "minute": 6}
